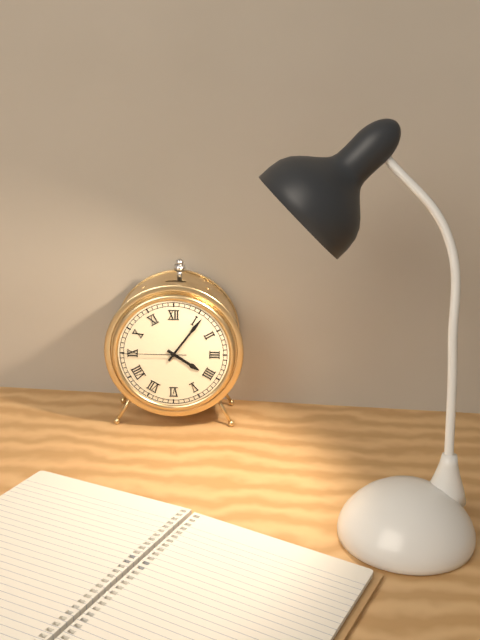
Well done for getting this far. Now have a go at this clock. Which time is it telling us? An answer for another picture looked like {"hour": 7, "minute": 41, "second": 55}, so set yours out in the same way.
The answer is {"hour": 4, "minute": 6, "second": 45}
